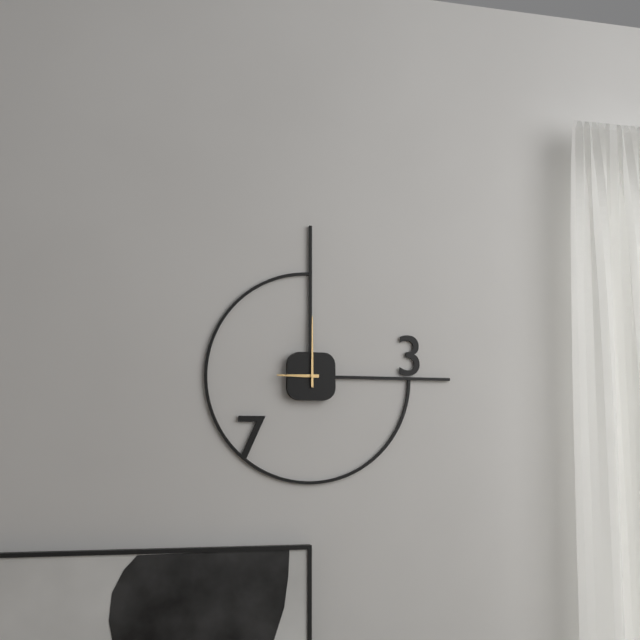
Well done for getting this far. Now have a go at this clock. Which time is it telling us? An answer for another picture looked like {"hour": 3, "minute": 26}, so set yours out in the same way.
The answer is {"hour": 9, "minute": 0}
